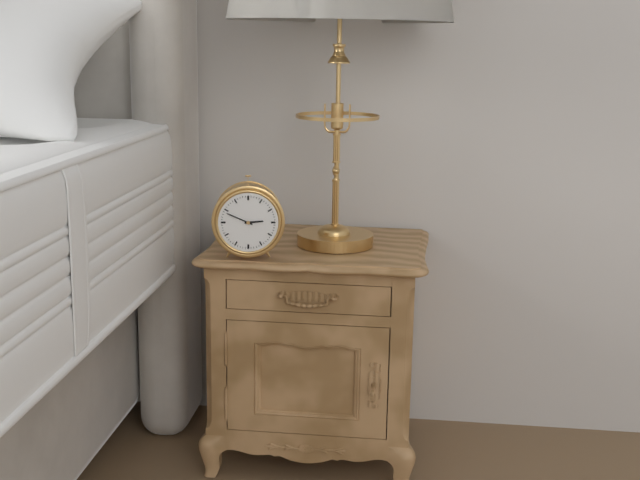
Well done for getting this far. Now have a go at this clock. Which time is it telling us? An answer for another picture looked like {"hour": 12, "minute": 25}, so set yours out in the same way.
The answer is {"hour": 2, "minute": 49}
